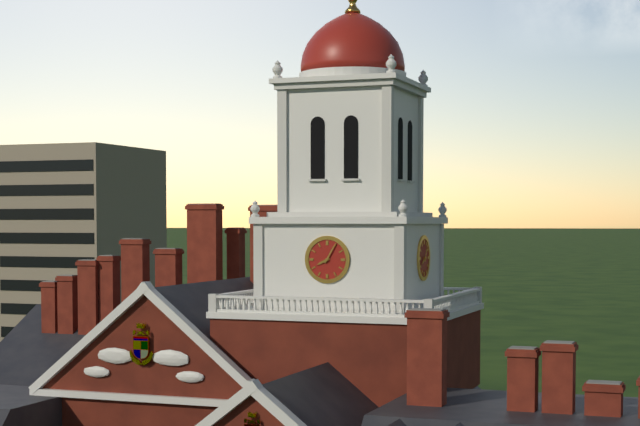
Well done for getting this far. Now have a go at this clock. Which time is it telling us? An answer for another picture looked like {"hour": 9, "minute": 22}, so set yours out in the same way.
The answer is {"hour": 8, "minute": 5}
